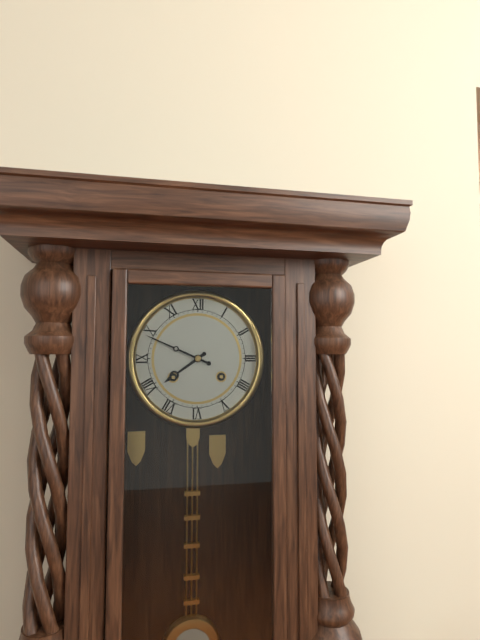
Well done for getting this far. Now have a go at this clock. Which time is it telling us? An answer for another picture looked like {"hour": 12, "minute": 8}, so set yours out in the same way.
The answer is {"hour": 7, "minute": 49}
